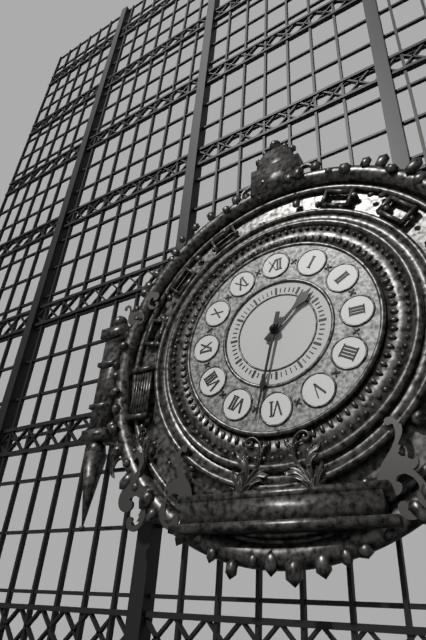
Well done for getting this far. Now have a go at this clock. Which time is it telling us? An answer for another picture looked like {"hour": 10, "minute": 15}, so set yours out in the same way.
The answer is {"hour": 1, "minute": 32}
